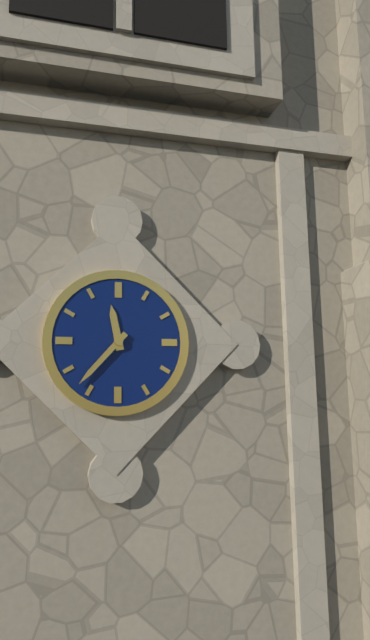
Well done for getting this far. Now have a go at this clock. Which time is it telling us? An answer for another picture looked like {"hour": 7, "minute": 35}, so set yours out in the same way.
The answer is {"hour": 11, "minute": 37}
